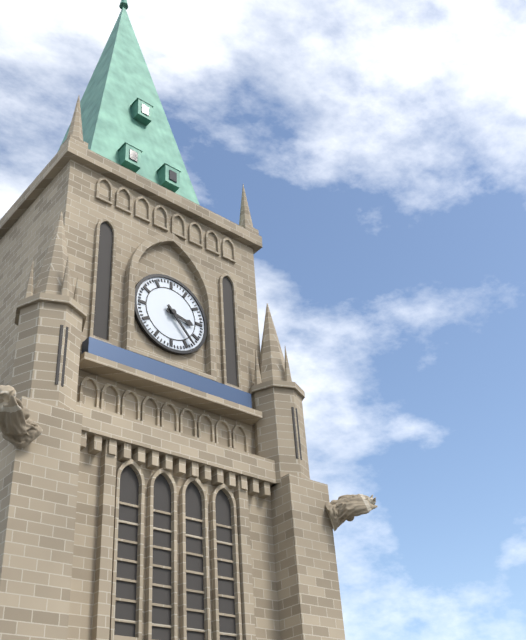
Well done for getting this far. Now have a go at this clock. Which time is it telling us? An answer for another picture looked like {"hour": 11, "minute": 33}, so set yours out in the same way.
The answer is {"hour": 3, "minute": 23}
